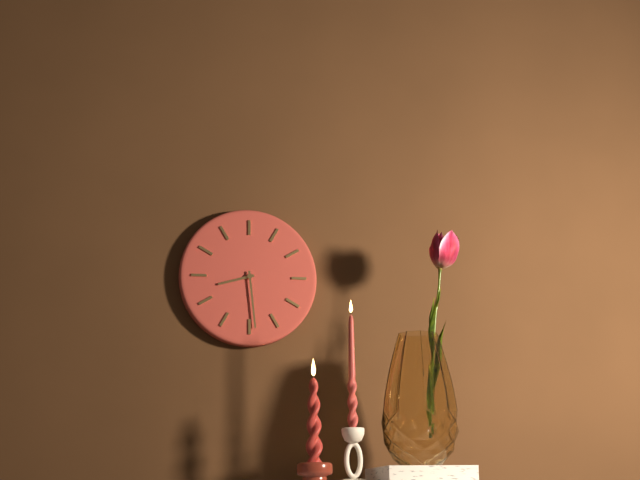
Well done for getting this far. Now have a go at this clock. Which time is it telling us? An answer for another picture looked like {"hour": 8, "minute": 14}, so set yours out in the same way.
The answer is {"hour": 8, "minute": 29}
